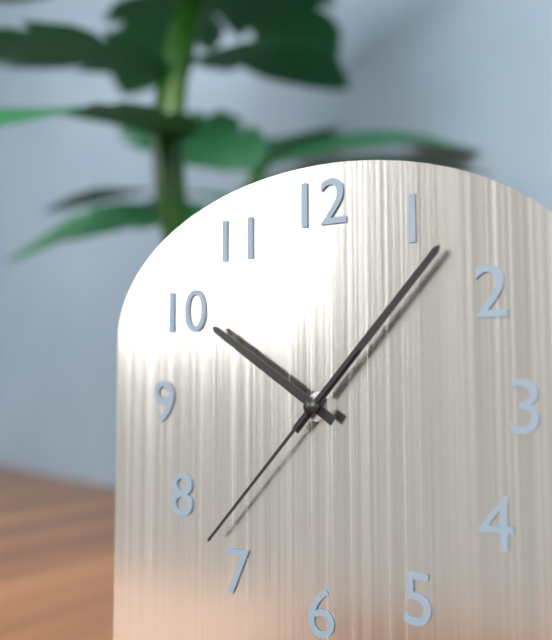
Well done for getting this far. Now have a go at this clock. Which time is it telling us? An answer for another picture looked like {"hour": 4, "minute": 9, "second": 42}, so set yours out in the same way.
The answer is {"hour": 10, "minute": 7, "second": 37}
